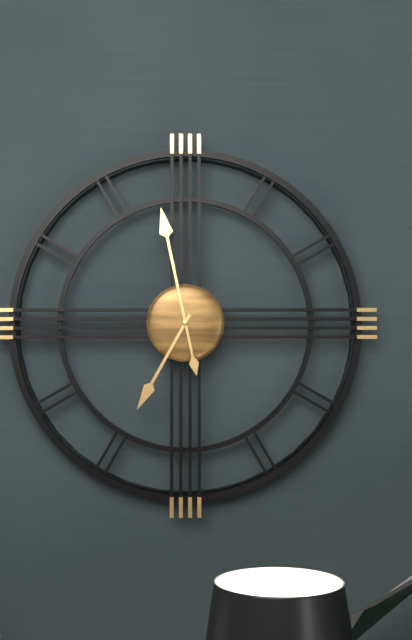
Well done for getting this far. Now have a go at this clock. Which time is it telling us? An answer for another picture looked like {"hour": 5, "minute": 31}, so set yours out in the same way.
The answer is {"hour": 6, "minute": 58}
